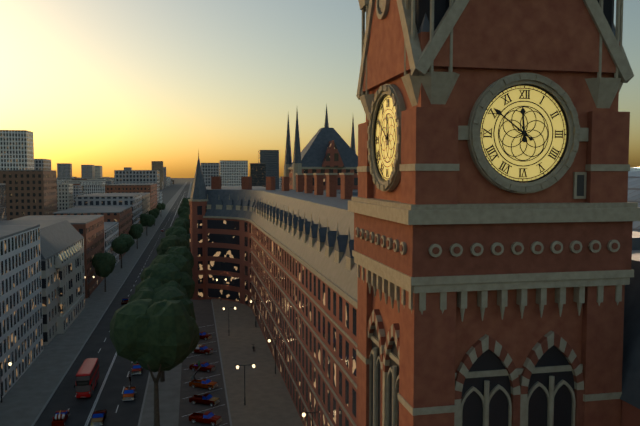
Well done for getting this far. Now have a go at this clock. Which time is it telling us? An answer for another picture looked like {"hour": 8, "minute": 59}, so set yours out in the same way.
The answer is {"hour": 11, "minute": 51}
